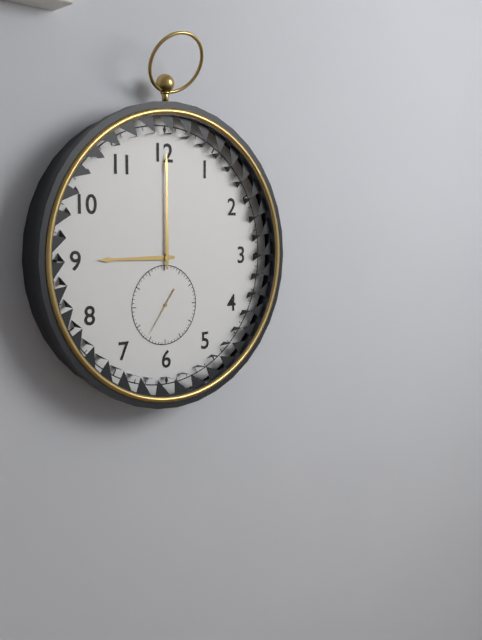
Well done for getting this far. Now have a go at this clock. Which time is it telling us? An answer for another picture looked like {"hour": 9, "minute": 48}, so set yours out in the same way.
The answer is {"hour": 9, "minute": 0}
